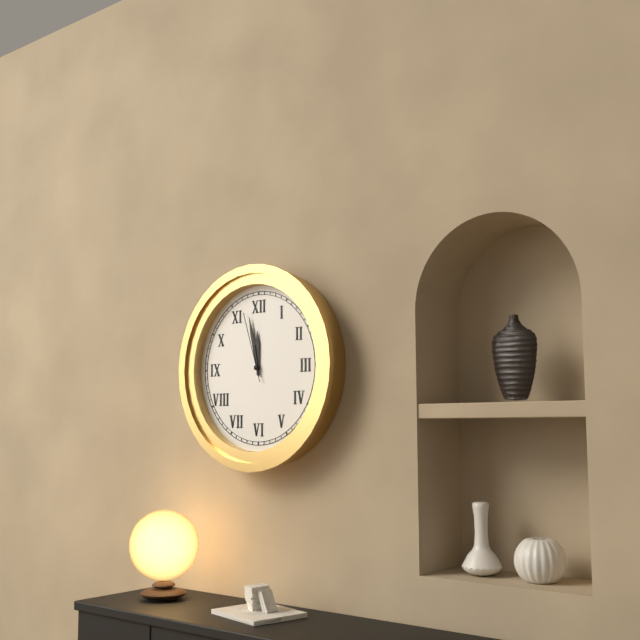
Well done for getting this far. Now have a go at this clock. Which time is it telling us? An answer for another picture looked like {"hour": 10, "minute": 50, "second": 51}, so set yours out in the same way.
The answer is {"hour": 11, "minute": 58, "second": 57}
